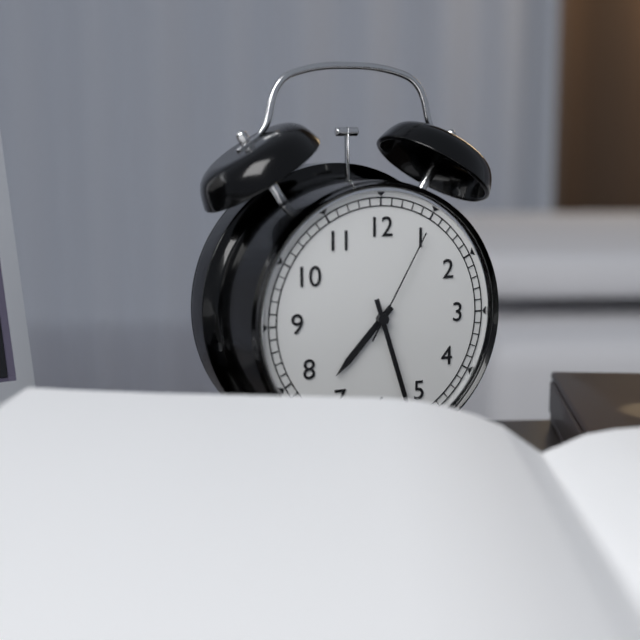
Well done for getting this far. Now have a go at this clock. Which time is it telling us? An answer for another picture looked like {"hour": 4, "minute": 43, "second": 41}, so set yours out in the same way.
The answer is {"hour": 7, "minute": 27, "second": 5}
